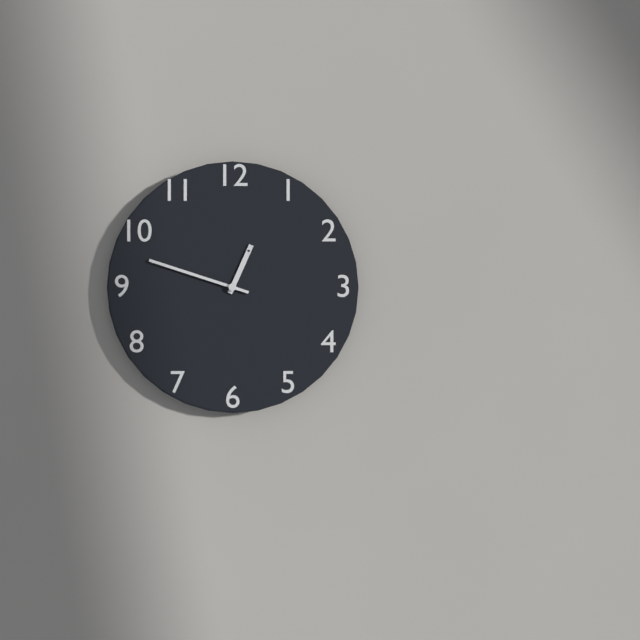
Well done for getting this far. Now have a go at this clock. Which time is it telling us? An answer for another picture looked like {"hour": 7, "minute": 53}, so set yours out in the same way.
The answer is {"hour": 12, "minute": 48}
